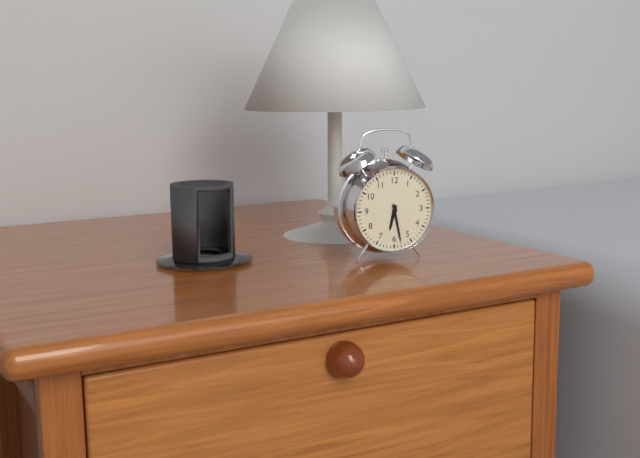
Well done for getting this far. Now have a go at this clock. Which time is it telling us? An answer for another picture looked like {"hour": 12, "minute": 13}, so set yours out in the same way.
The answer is {"hour": 6, "minute": 28}
